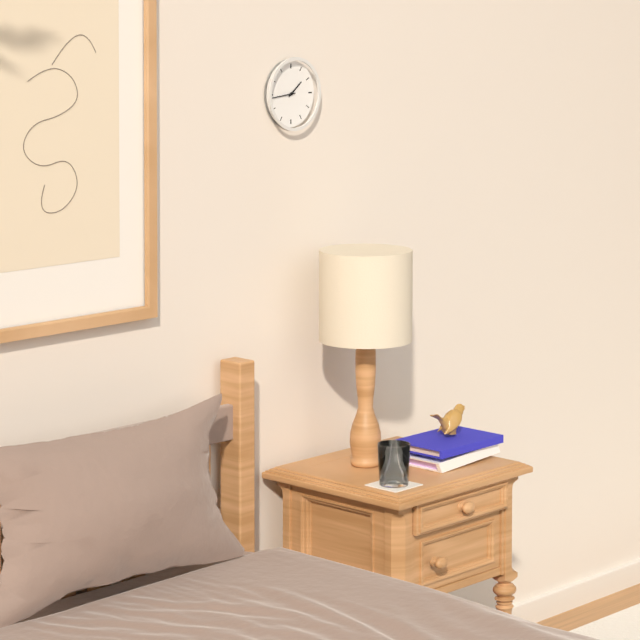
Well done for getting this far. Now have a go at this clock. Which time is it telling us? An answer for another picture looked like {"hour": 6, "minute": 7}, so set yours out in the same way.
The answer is {"hour": 1, "minute": 44}
